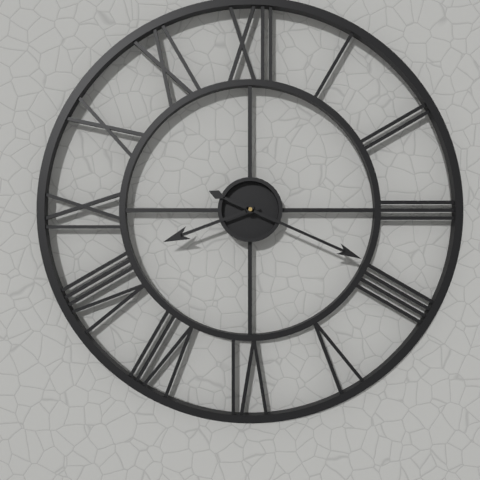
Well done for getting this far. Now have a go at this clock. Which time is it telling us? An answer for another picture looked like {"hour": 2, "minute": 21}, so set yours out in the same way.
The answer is {"hour": 8, "minute": 19}
